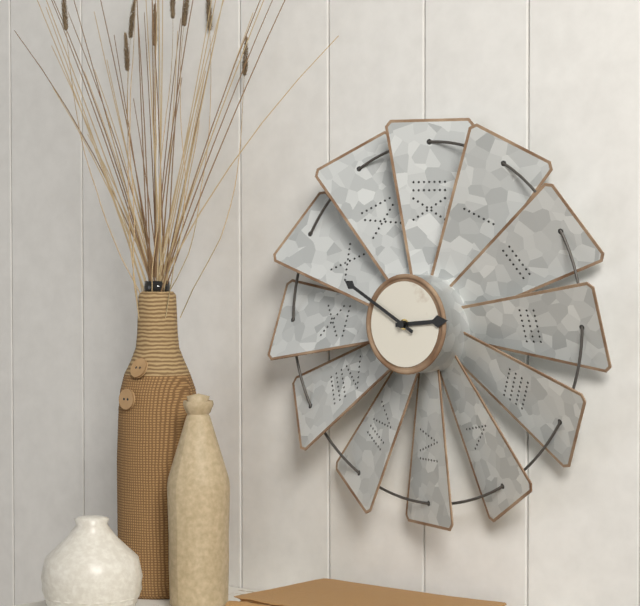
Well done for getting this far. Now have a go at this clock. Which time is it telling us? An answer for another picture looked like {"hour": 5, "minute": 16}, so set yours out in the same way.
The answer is {"hour": 2, "minute": 50}
